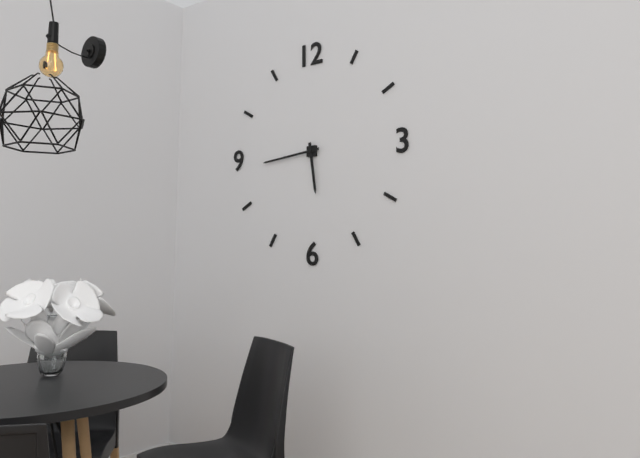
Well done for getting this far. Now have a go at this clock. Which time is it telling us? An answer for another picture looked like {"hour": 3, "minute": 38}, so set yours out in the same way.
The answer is {"hour": 5, "minute": 44}
